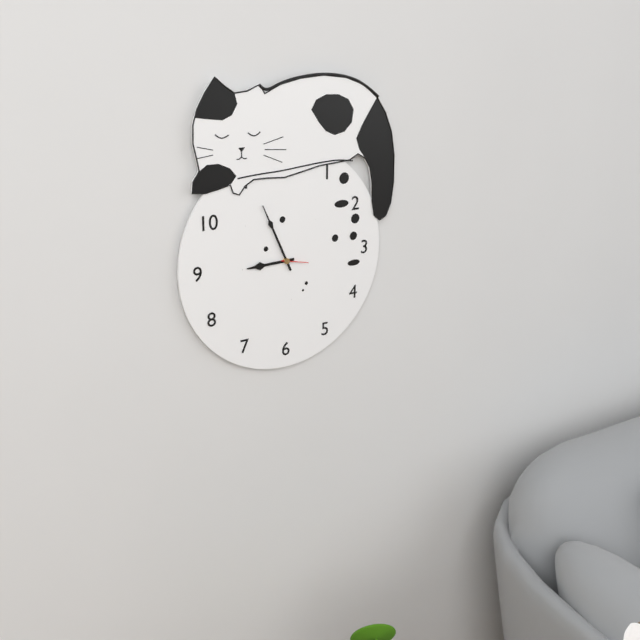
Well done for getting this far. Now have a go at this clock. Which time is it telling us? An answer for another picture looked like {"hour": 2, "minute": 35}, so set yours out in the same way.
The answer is {"hour": 8, "minute": 56}
